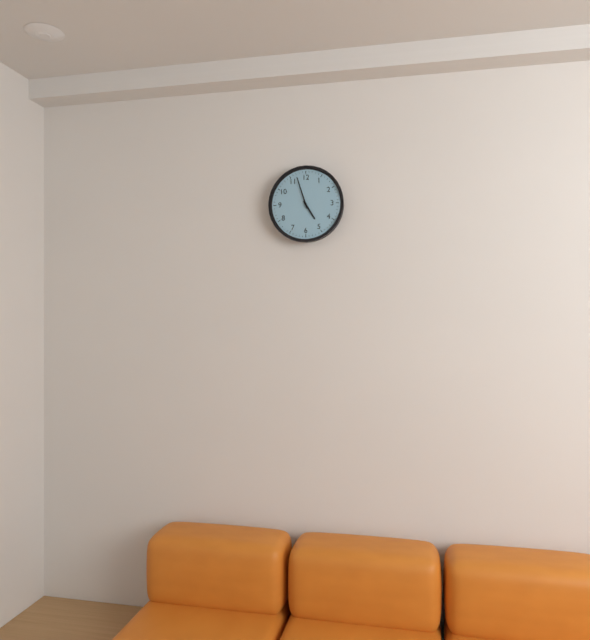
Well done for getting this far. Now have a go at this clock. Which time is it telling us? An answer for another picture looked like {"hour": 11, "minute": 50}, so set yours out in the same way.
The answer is {"hour": 4, "minute": 57}
